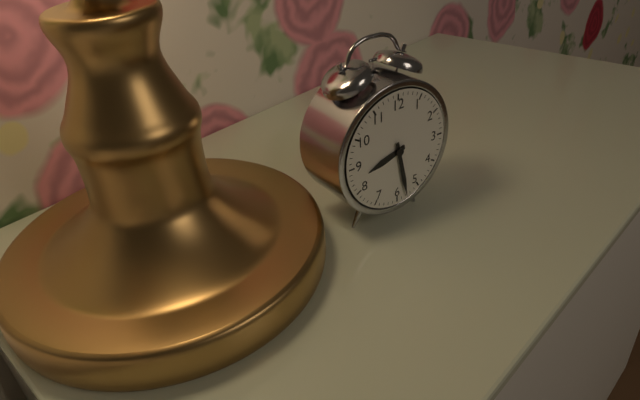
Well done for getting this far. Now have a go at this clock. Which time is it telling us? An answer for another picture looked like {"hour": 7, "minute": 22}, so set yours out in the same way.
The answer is {"hour": 8, "minute": 28}
